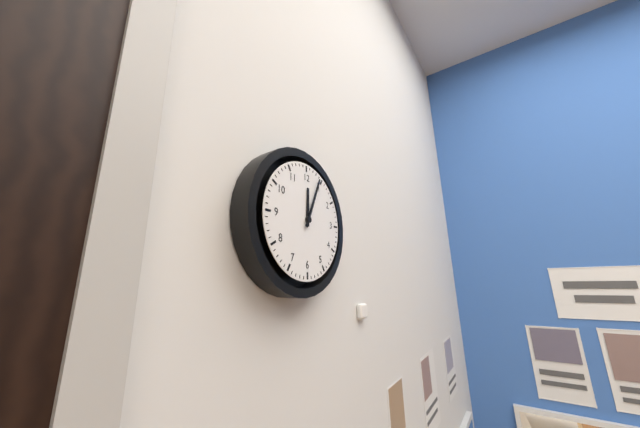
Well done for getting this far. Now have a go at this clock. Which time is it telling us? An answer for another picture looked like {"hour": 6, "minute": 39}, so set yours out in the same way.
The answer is {"hour": 12, "minute": 4}
